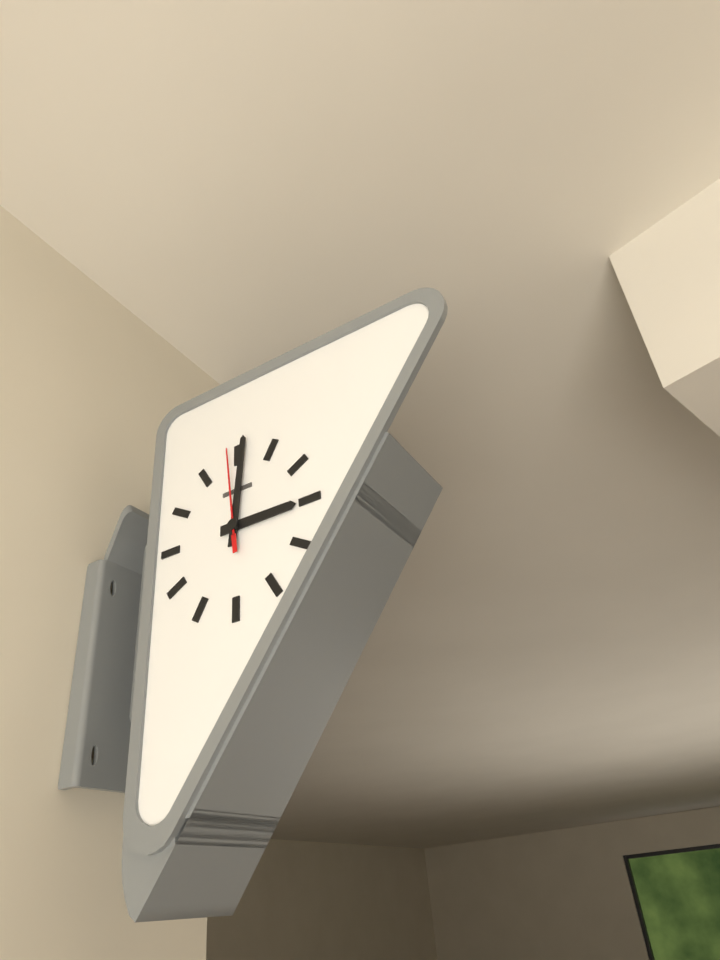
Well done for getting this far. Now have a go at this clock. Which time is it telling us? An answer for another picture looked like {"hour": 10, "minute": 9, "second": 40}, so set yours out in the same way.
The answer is {"hour": 3, "minute": 1, "second": 59}
